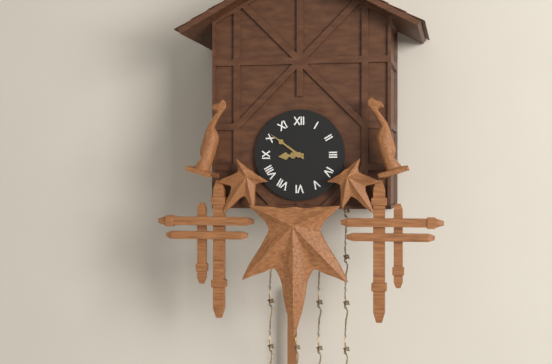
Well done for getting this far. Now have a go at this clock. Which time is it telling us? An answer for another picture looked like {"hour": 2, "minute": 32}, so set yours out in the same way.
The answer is {"hour": 8, "minute": 51}
